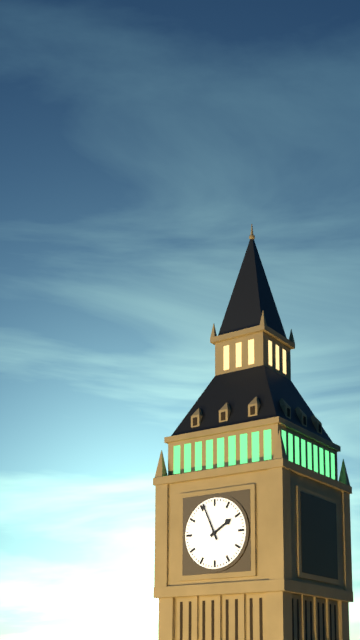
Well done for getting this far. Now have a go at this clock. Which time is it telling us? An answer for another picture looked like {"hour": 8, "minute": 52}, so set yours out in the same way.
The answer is {"hour": 1, "minute": 56}
